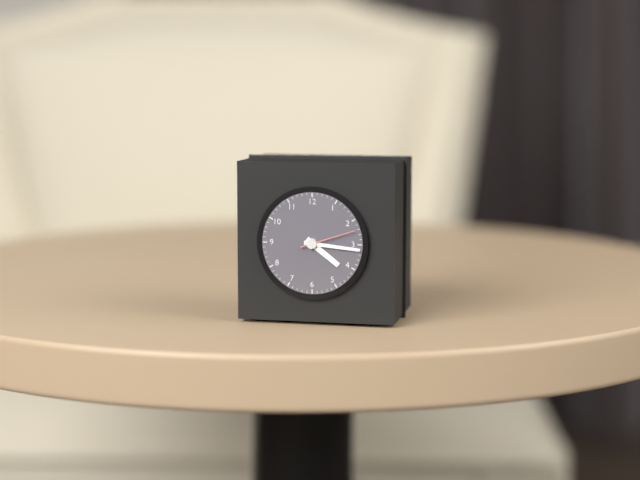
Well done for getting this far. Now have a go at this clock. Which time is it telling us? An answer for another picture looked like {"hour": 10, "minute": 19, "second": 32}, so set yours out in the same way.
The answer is {"hour": 4, "minute": 16, "second": 12}
